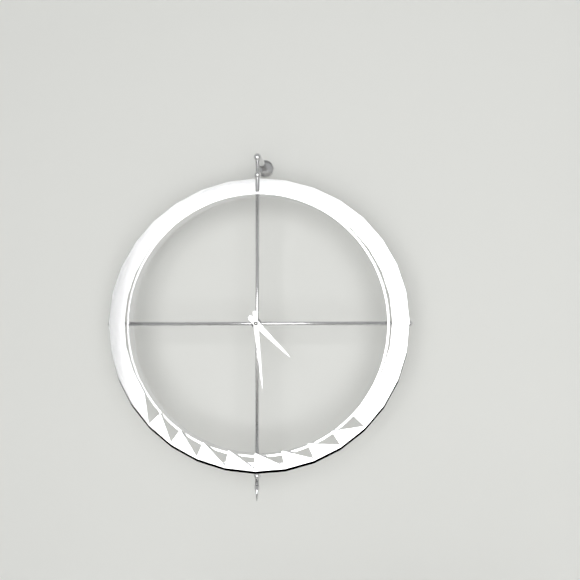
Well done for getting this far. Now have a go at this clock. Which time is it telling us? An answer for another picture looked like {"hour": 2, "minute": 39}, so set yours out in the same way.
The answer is {"hour": 4, "minute": 29}
